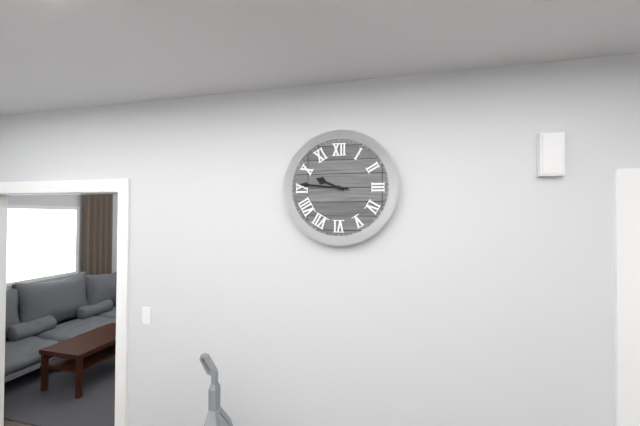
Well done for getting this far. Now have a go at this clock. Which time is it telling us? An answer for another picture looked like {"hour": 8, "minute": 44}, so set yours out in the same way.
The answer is {"hour": 9, "minute": 46}
